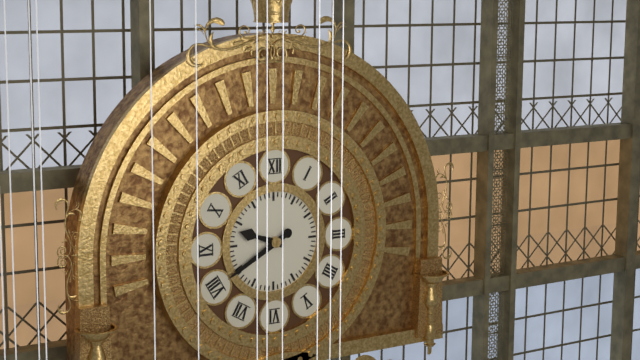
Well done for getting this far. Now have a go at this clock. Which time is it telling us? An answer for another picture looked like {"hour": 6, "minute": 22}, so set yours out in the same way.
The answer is {"hour": 9, "minute": 40}
